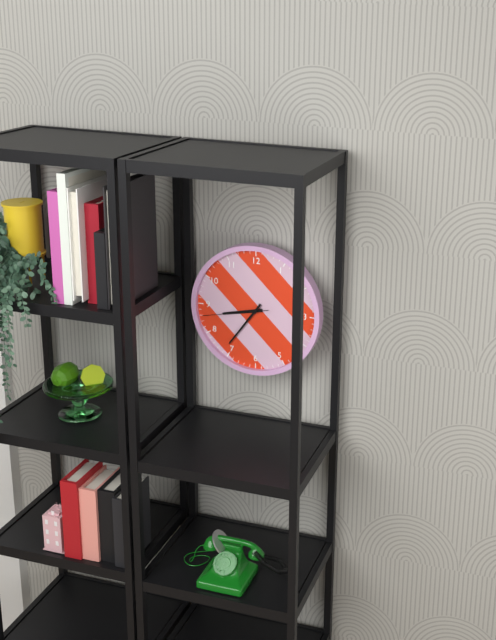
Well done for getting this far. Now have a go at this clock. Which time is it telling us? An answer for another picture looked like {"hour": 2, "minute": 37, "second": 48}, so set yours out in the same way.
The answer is {"hour": 8, "minute": 36, "second": 43}
